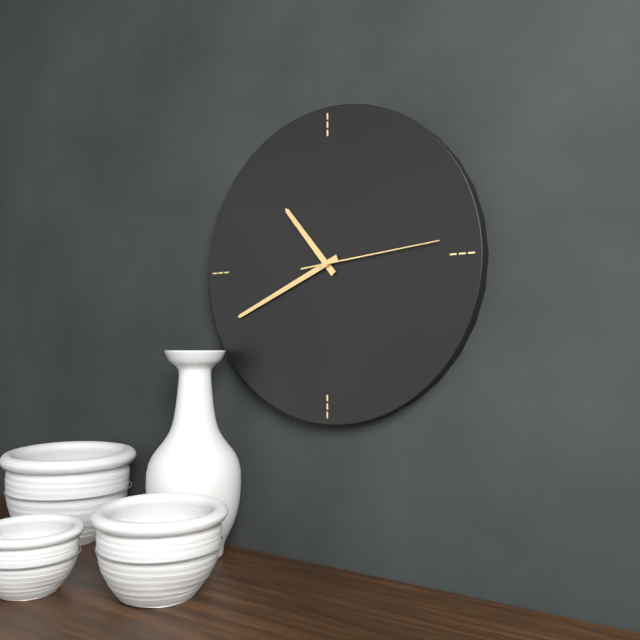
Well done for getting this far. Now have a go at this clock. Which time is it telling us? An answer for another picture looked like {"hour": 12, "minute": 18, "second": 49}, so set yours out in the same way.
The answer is {"hour": 10, "minute": 41, "second": 14}
